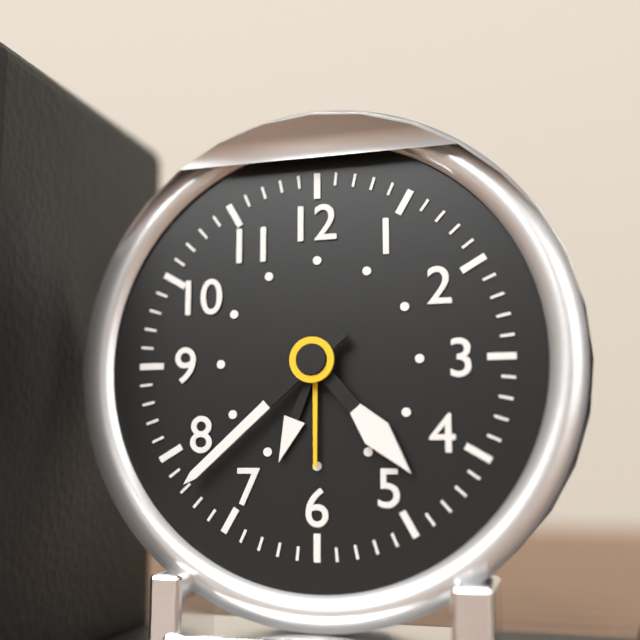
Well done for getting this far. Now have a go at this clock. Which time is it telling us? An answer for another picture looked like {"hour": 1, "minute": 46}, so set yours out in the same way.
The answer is {"hour": 4, "minute": 38}
